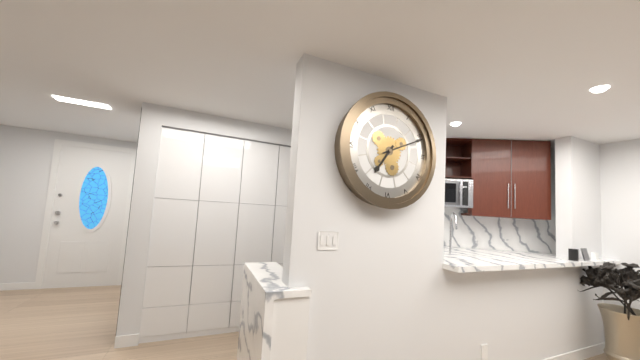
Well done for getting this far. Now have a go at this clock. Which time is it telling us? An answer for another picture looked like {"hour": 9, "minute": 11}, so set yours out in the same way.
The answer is {"hour": 7, "minute": 11}
